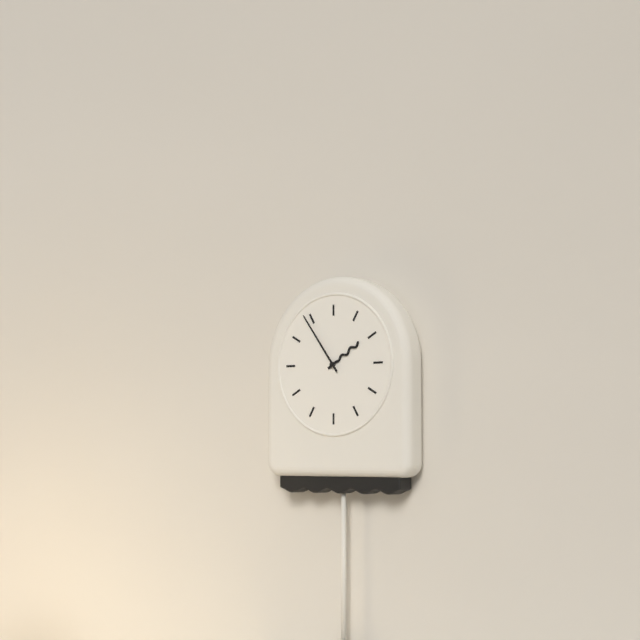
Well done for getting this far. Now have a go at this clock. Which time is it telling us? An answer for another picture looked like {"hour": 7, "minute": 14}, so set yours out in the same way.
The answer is {"hour": 1, "minute": 54}
